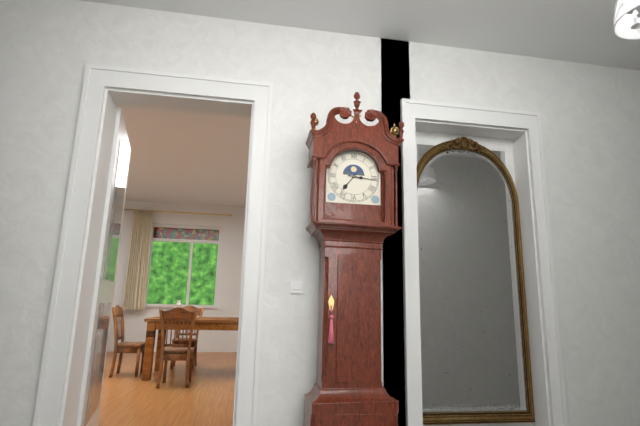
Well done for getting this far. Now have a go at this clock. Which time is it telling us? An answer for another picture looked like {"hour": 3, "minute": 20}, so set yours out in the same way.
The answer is {"hour": 7, "minute": 16}
